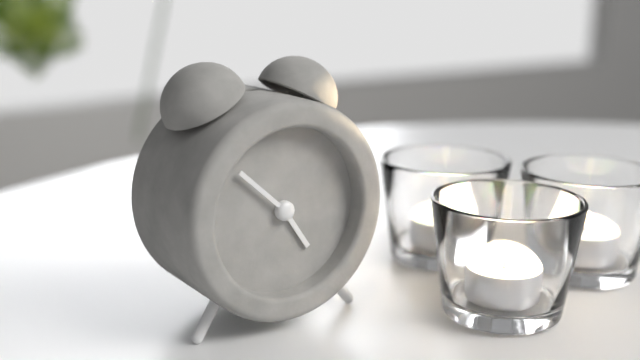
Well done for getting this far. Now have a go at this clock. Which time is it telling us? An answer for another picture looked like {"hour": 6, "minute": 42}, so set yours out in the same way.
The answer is {"hour": 4, "minute": 52}
